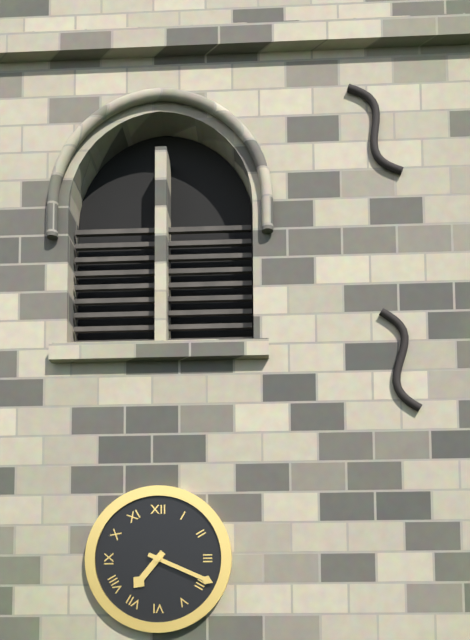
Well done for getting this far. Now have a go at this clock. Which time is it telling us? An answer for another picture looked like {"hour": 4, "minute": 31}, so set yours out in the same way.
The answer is {"hour": 7, "minute": 19}
